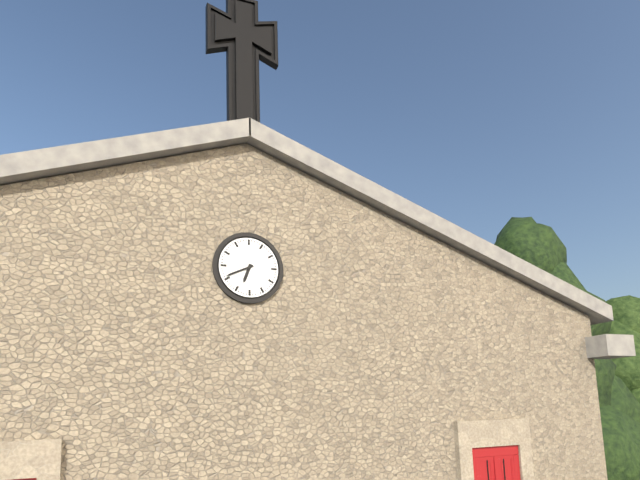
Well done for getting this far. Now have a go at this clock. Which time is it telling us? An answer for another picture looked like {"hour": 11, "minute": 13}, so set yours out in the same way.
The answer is {"hour": 6, "minute": 41}
